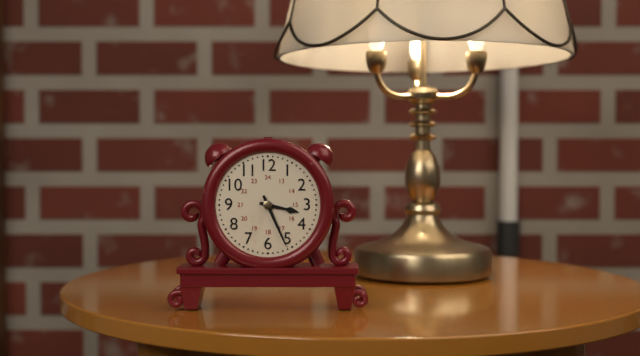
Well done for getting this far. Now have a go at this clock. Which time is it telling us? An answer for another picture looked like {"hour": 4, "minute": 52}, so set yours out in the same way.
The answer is {"hour": 3, "minute": 26}
